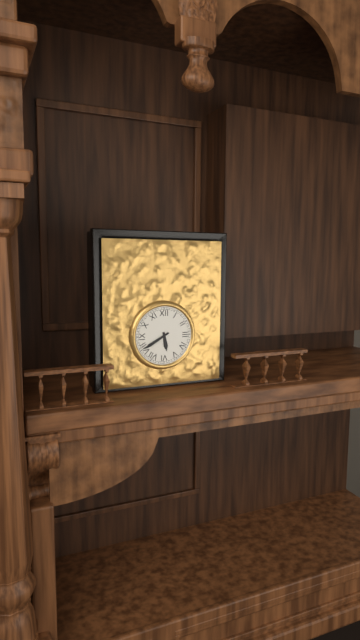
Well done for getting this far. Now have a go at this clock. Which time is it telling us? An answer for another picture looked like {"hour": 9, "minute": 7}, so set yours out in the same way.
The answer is {"hour": 5, "minute": 40}
